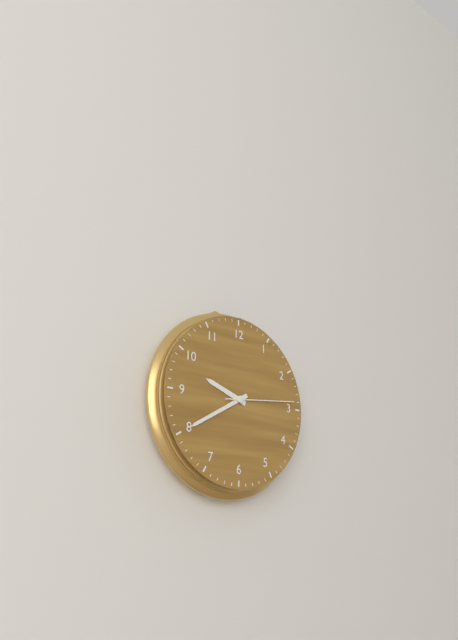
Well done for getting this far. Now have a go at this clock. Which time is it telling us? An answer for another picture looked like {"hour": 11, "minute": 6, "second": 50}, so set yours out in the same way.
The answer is {"hour": 9, "minute": 40, "second": 14}
